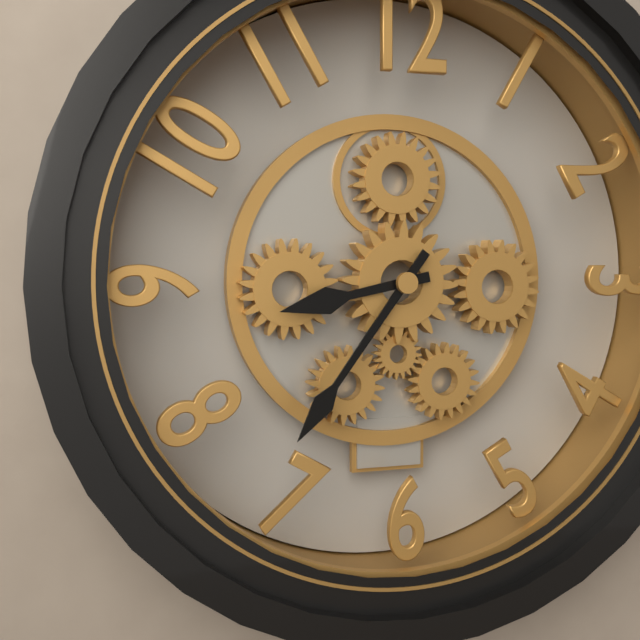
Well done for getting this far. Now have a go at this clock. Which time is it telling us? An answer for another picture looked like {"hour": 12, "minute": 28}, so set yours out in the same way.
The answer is {"hour": 8, "minute": 36}
